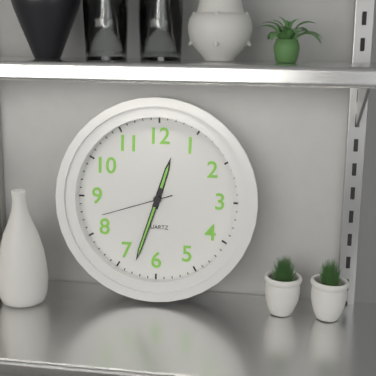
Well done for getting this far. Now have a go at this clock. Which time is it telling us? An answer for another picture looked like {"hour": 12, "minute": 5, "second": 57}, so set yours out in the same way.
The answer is {"hour": 12, "minute": 33, "second": 42}
